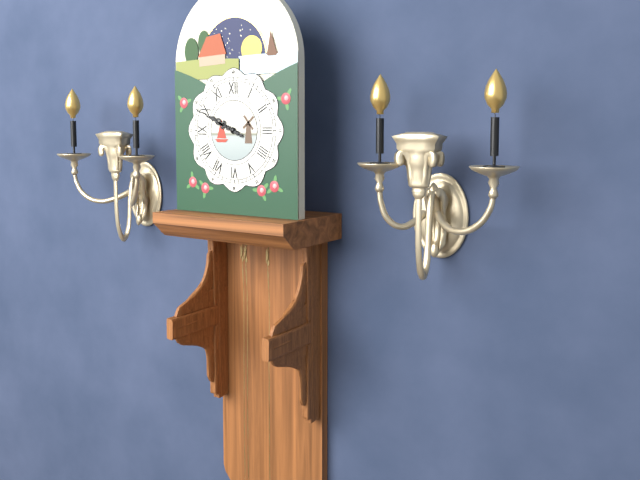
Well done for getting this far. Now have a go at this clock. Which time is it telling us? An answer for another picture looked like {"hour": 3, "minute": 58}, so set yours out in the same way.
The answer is {"hour": 9, "minute": 49}
